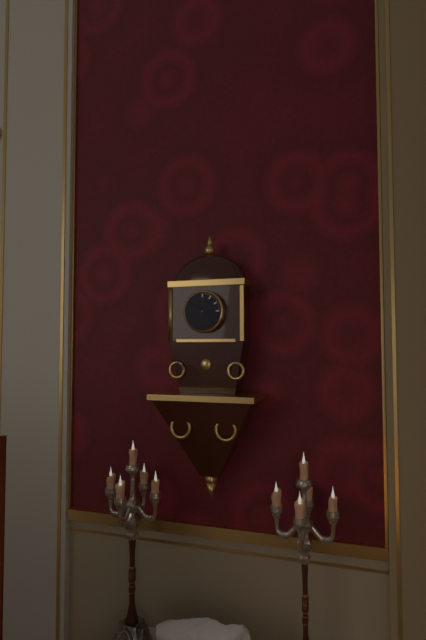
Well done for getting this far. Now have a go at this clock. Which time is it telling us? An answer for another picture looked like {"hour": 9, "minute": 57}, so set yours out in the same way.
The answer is {"hour": 3, "minute": 51}
